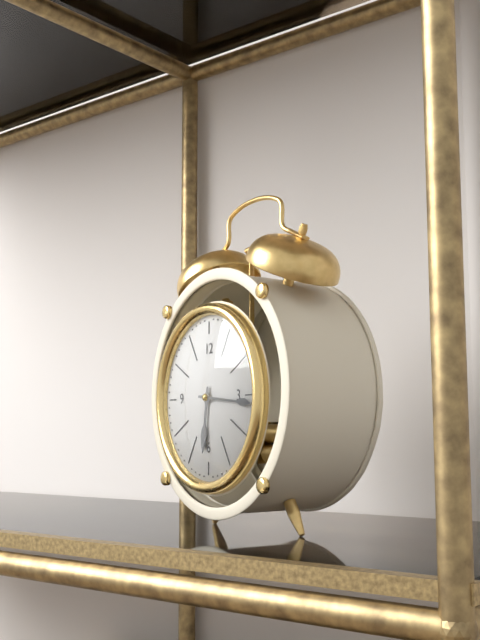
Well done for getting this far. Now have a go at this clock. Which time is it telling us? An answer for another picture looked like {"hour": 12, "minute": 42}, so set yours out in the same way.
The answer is {"hour": 6, "minute": 16}
